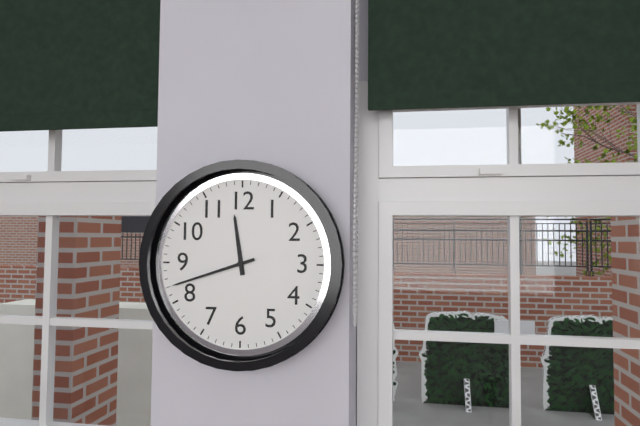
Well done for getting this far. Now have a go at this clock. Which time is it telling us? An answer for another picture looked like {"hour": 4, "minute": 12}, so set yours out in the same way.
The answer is {"hour": 11, "minute": 42}
